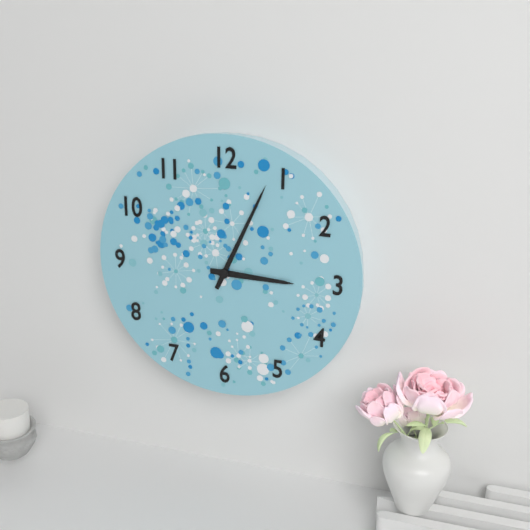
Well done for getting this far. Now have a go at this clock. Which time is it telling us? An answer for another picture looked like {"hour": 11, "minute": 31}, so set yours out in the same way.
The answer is {"hour": 3, "minute": 4}
